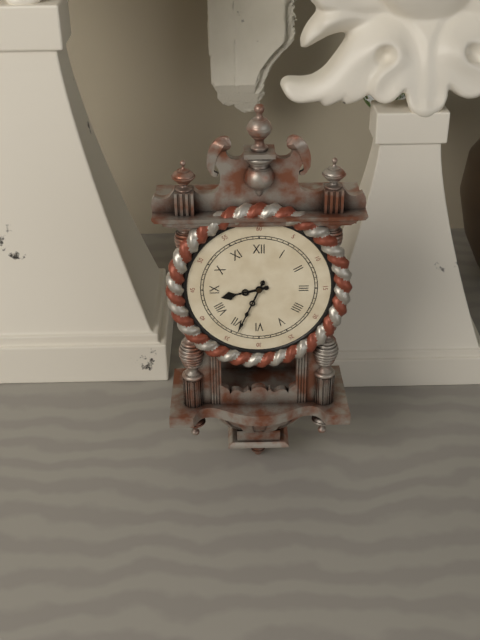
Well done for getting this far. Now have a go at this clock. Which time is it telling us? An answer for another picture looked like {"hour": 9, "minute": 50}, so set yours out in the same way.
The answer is {"hour": 8, "minute": 34}
